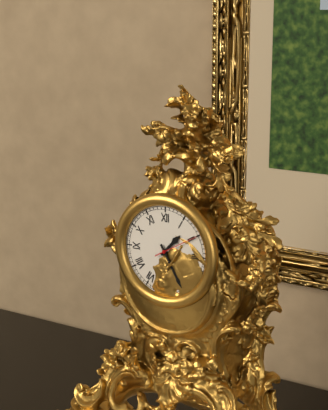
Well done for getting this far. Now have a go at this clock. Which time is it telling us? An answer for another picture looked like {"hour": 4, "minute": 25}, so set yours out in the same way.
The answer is {"hour": 1, "minute": 25}
